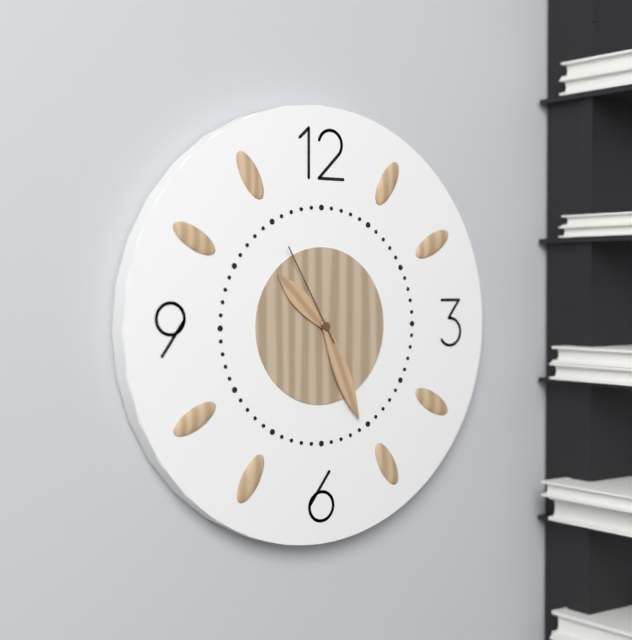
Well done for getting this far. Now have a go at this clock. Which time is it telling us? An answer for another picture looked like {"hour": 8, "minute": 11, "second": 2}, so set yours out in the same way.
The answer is {"hour": 10, "minute": 26, "second": 55}
